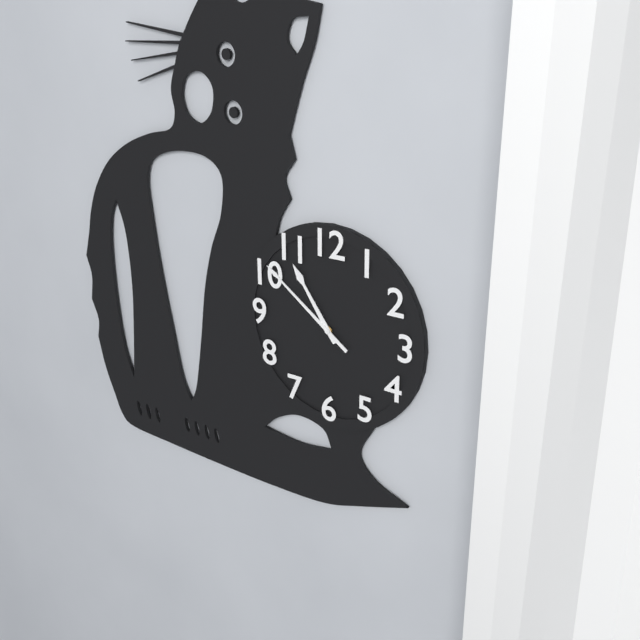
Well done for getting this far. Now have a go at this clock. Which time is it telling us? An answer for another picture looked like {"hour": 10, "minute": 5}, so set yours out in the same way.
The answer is {"hour": 10, "minute": 51}
